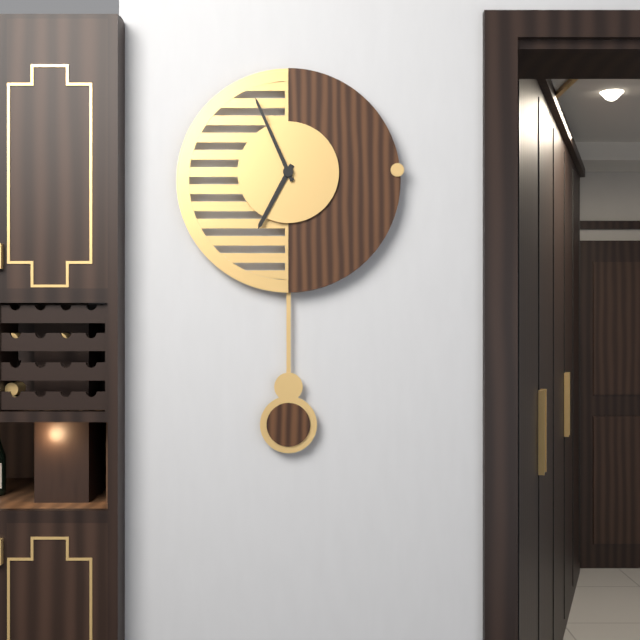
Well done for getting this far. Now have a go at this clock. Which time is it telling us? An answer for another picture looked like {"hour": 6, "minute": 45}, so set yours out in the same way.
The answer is {"hour": 6, "minute": 56}
